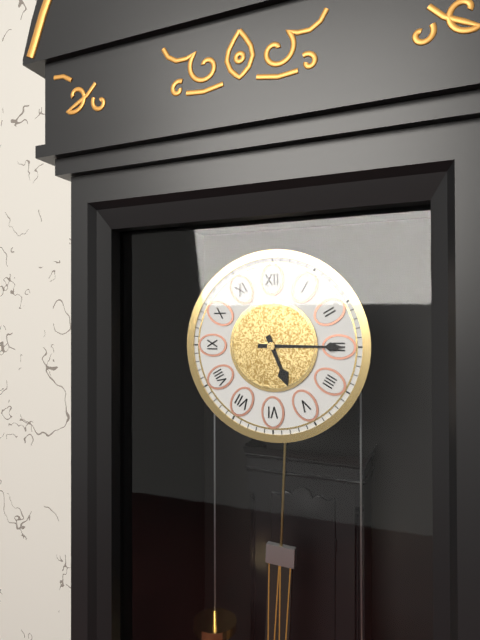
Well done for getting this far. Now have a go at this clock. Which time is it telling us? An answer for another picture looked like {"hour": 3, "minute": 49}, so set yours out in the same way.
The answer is {"hour": 5, "minute": 15}
